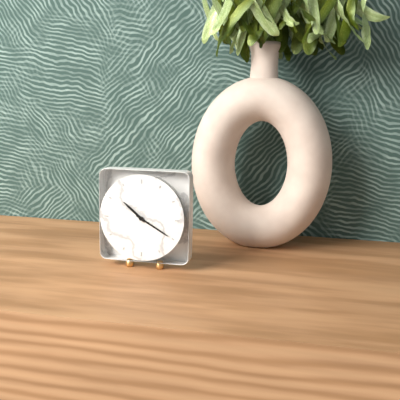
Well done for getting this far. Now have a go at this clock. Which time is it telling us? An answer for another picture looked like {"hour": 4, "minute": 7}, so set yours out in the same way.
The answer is {"hour": 10, "minute": 20}
